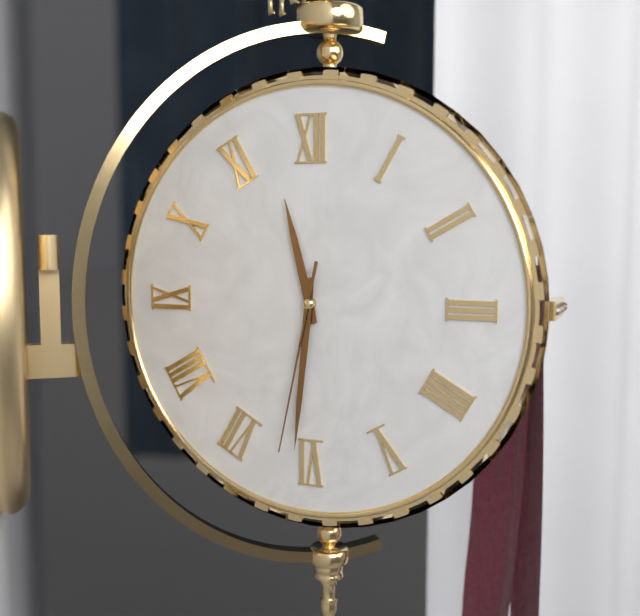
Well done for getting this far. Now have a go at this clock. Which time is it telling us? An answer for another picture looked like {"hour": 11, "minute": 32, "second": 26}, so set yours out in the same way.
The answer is {"hour": 11, "minute": 31, "second": 32}
